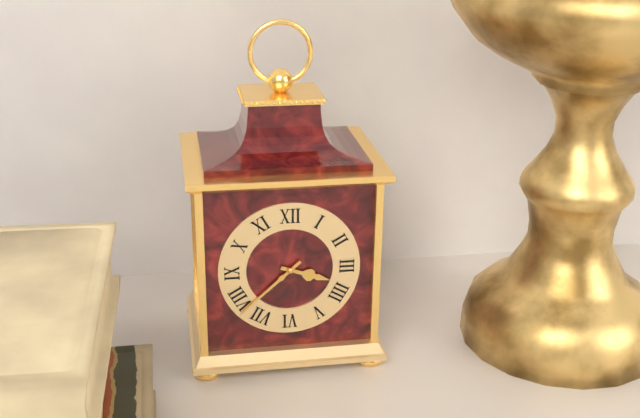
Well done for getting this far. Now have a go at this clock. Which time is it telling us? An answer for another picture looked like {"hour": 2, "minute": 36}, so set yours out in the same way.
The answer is {"hour": 3, "minute": 38}
